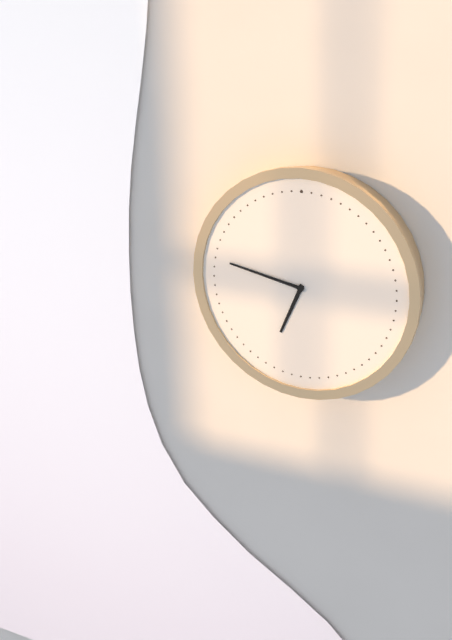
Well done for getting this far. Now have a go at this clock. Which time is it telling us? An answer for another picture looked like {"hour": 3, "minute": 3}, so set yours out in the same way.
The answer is {"hour": 6, "minute": 47}
